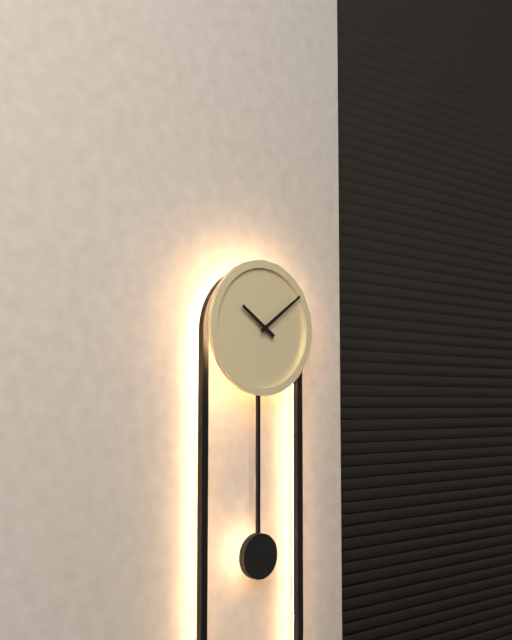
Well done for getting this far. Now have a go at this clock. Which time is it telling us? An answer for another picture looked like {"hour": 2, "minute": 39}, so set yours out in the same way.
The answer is {"hour": 10, "minute": 9}
